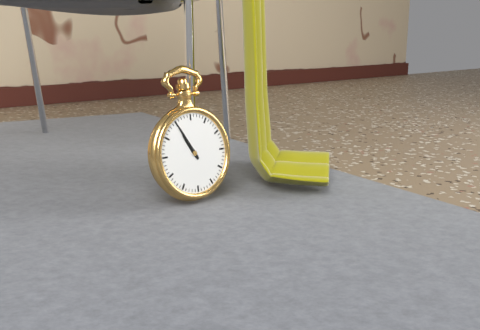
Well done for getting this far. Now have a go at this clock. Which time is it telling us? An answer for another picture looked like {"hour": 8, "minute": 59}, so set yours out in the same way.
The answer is {"hour": 10, "minute": 55}
